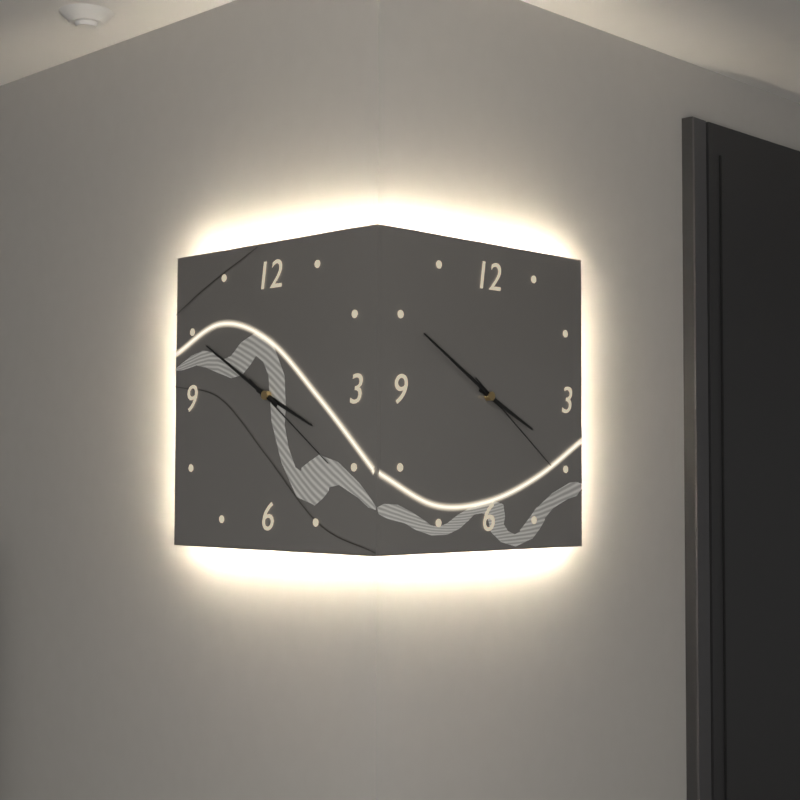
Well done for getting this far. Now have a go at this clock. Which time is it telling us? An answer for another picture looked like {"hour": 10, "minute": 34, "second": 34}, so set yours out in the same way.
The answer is {"hour": 3, "minute": 50, "second": 21}
